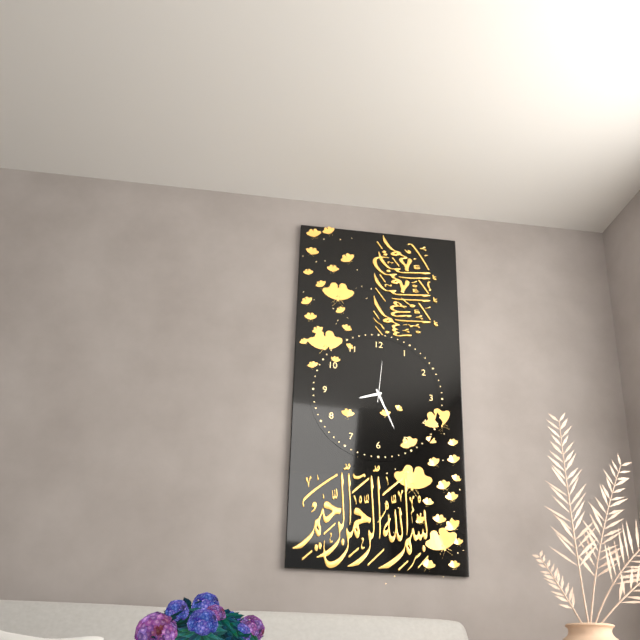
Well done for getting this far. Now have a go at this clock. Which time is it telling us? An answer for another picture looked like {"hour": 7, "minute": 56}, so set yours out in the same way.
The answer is {"hour": 8, "minute": 26}
